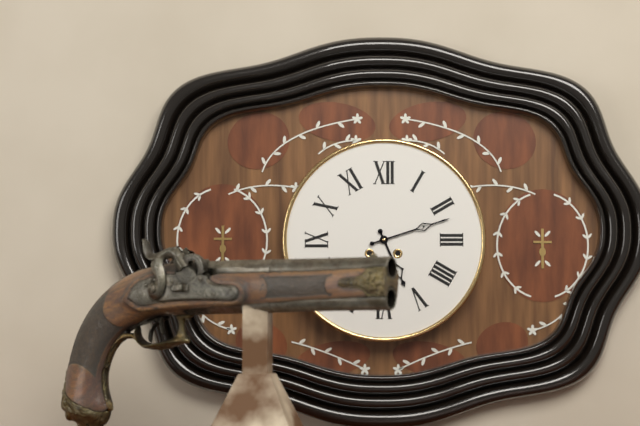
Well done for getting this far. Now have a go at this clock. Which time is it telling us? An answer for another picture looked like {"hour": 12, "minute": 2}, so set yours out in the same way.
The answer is {"hour": 5, "minute": 12}
